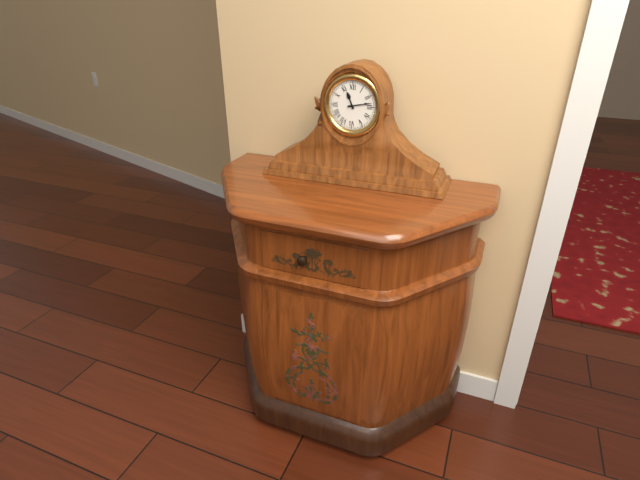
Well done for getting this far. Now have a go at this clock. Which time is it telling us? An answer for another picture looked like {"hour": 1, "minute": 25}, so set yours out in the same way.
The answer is {"hour": 11, "minute": 13}
